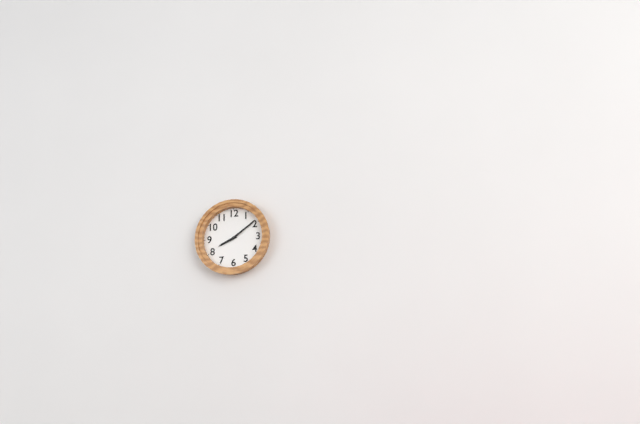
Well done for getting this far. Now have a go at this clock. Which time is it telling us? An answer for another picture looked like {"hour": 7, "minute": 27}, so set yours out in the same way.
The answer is {"hour": 8, "minute": 9}
